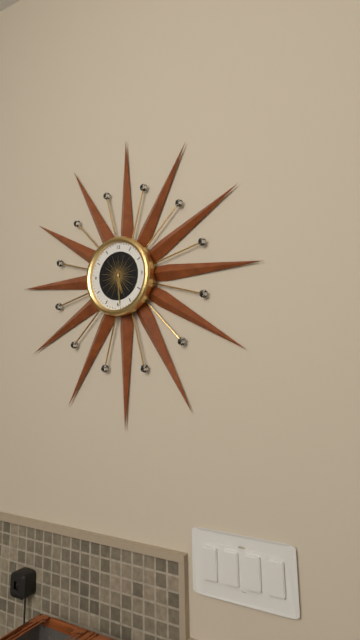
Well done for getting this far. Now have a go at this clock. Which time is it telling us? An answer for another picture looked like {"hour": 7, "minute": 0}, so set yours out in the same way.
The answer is {"hour": 5, "minute": 29}
